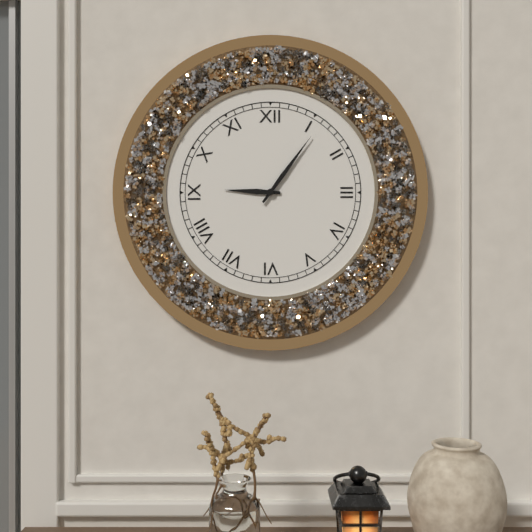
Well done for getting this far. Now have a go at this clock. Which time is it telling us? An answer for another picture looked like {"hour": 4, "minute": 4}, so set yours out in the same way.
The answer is {"hour": 9, "minute": 6}
